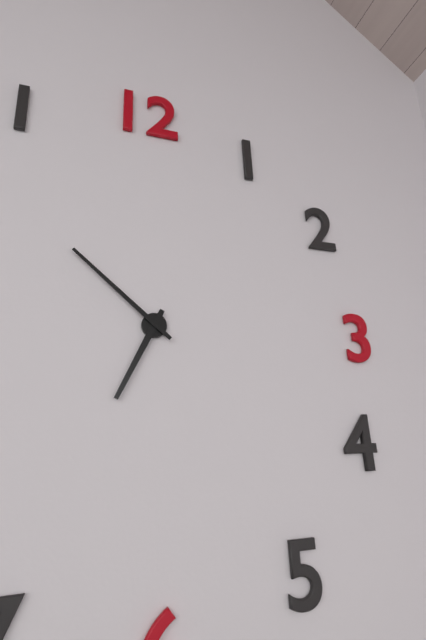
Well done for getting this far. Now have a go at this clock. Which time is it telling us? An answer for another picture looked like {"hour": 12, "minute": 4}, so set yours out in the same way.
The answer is {"hour": 6, "minute": 52}
